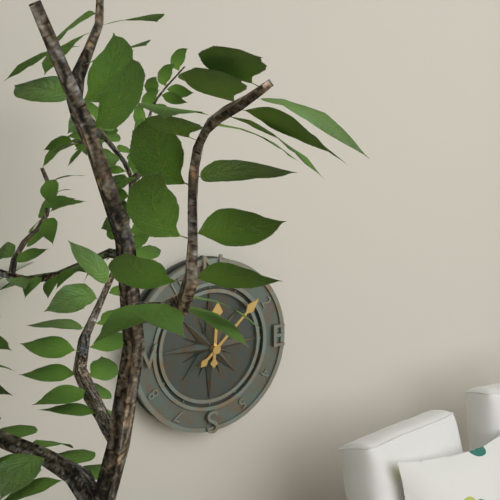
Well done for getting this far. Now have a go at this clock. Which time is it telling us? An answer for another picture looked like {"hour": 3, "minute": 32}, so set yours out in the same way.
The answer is {"hour": 12, "minute": 8}
